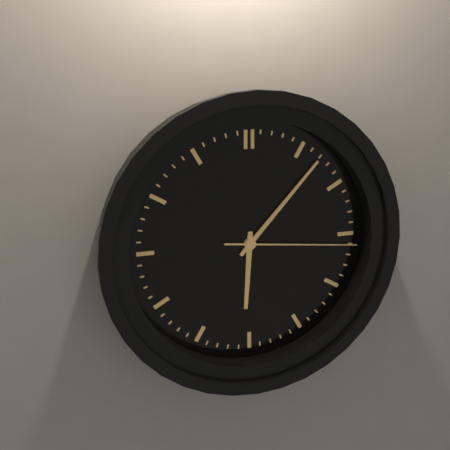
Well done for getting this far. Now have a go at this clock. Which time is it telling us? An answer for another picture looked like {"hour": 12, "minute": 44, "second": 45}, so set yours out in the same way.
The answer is {"hour": 6, "minute": 7, "second": 16}
